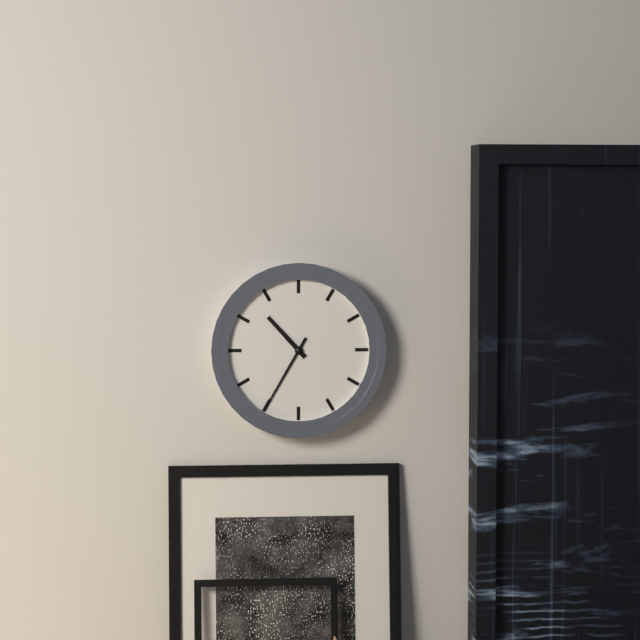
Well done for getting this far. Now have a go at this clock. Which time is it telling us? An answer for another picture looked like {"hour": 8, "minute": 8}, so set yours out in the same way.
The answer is {"hour": 10, "minute": 35}
